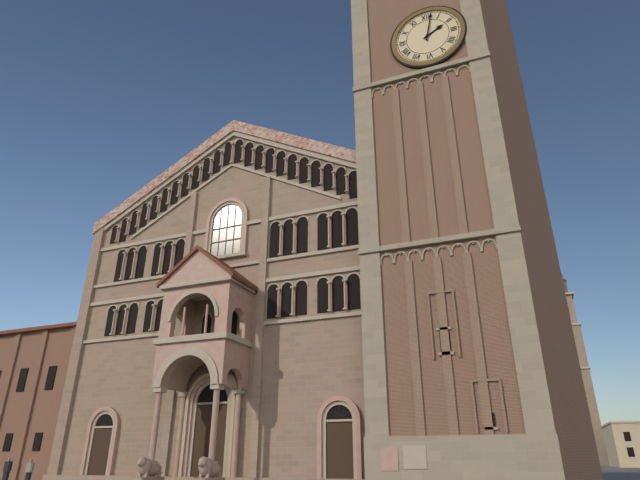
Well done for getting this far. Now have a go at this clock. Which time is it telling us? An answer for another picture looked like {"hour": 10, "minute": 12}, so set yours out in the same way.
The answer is {"hour": 2, "minute": 2}
